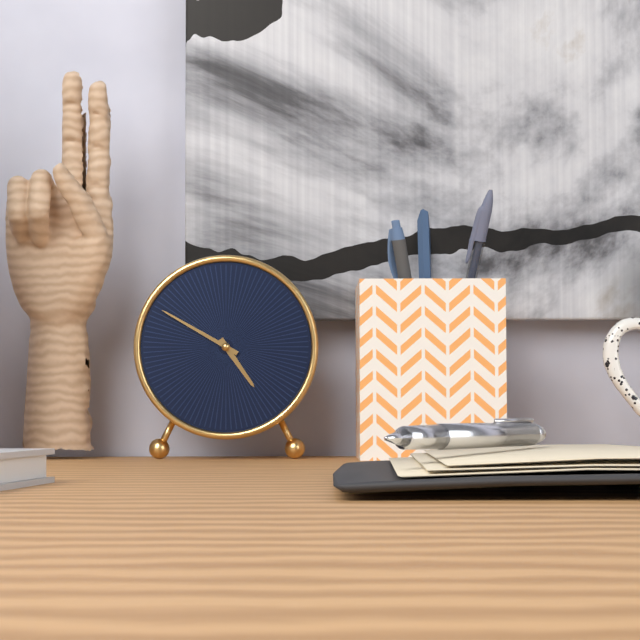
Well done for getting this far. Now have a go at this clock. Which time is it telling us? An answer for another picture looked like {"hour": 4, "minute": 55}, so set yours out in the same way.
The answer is {"hour": 4, "minute": 50}
